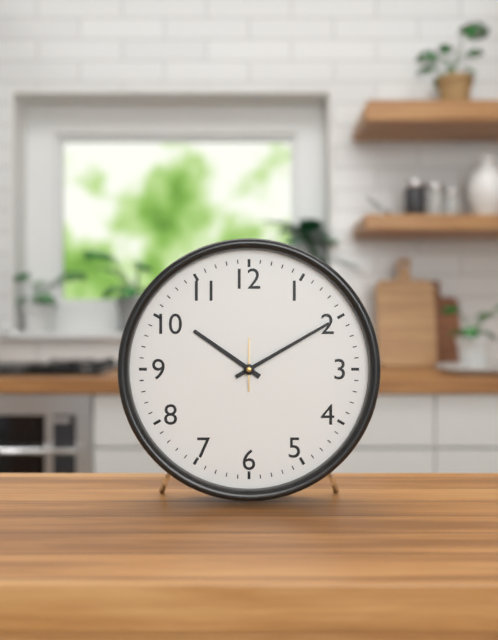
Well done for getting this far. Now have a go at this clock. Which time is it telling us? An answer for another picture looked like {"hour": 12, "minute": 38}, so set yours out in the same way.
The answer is {"hour": 10, "minute": 10}
